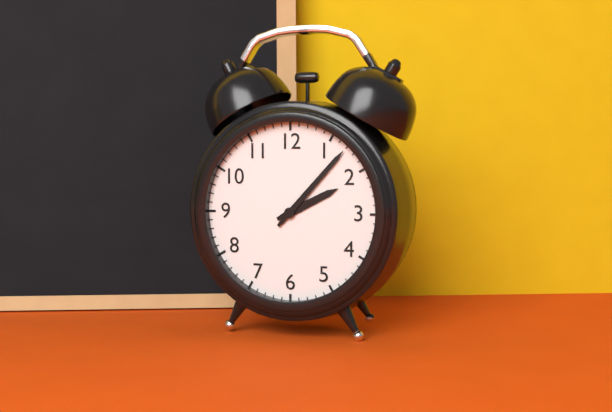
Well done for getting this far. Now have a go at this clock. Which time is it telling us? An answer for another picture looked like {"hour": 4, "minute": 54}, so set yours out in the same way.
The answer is {"hour": 2, "minute": 7}
